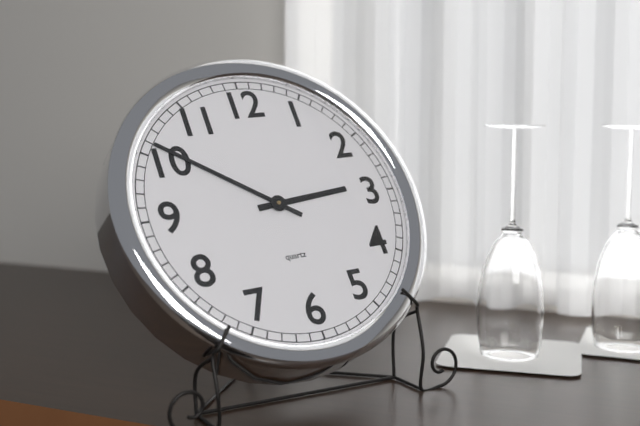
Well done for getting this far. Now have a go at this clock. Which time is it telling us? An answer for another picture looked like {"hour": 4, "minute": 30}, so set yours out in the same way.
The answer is {"hour": 2, "minute": 51}
